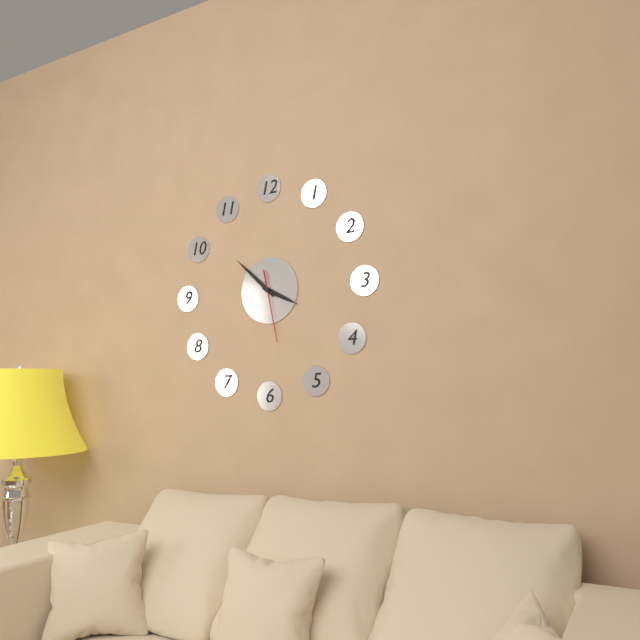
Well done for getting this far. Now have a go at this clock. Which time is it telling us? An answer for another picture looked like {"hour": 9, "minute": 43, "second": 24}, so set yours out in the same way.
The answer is {"hour": 3, "minute": 52, "second": 28}
